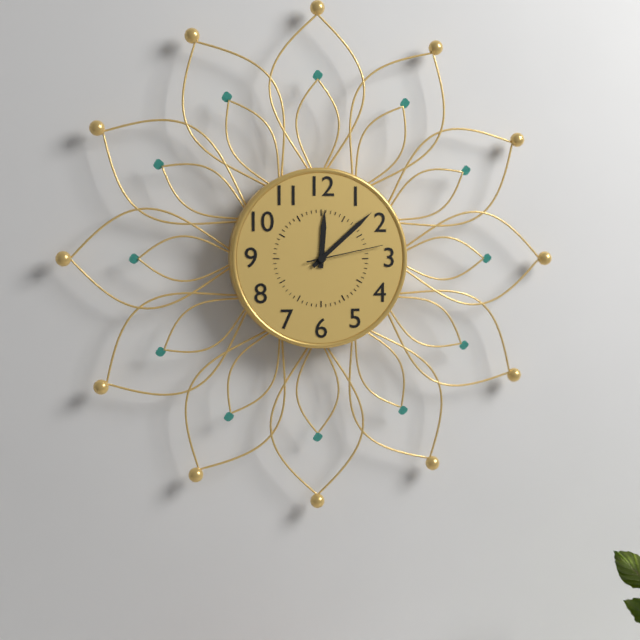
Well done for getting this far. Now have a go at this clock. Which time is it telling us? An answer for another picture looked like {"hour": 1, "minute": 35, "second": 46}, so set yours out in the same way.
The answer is {"hour": 12, "minute": 8, "second": 13}
